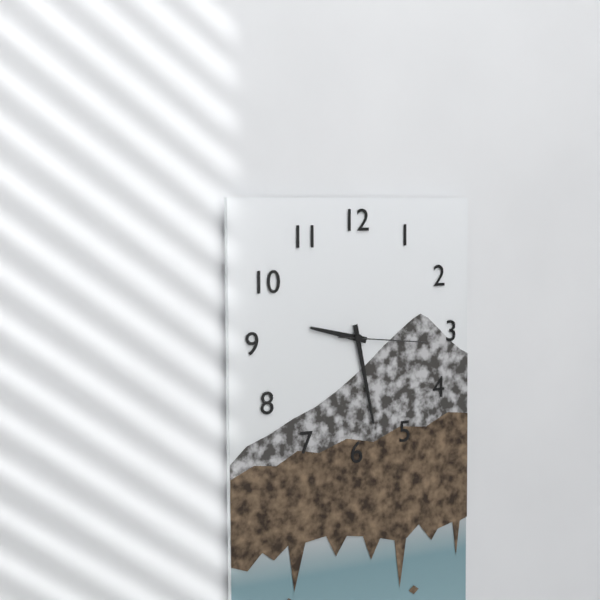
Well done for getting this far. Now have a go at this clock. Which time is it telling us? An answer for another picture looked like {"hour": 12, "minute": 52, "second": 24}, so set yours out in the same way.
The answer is {"hour": 9, "minute": 28, "second": 16}
